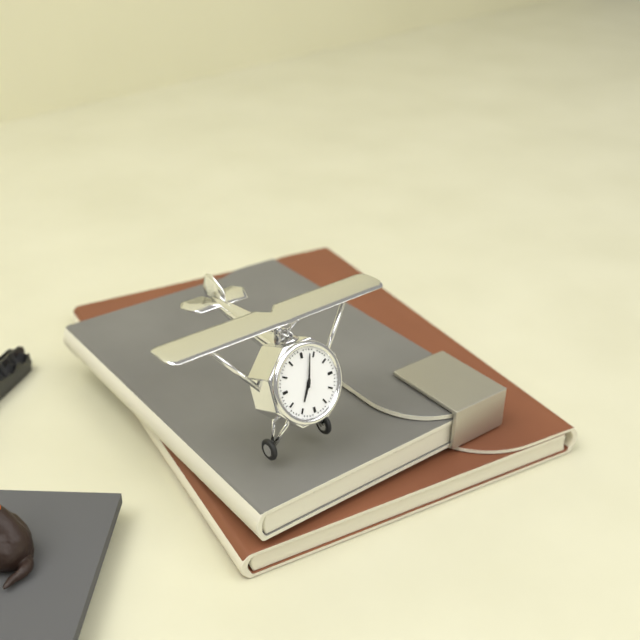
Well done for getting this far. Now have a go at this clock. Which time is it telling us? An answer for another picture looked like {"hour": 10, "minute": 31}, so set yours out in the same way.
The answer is {"hour": 7, "minute": 3}
